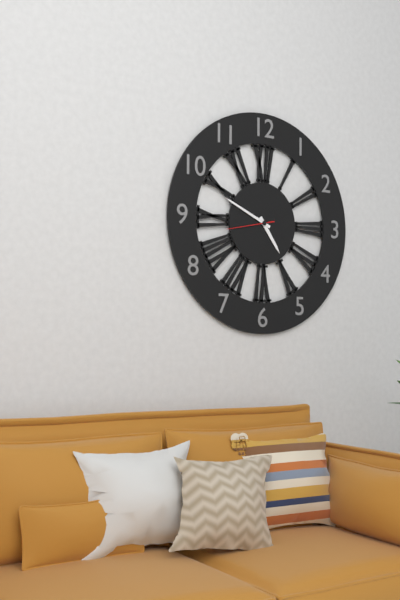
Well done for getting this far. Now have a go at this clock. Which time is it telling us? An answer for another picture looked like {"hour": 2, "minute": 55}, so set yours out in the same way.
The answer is {"hour": 4, "minute": 49}
